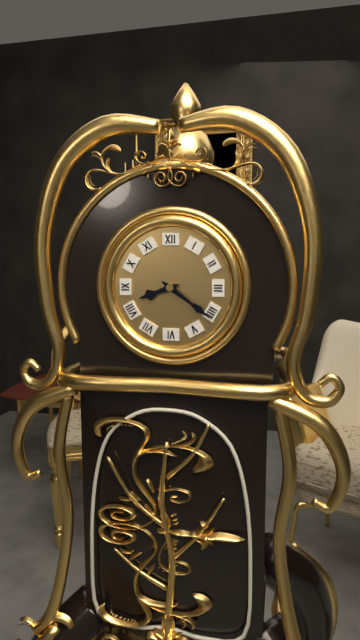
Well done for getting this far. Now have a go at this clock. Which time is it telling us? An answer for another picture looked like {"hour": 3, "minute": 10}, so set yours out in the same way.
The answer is {"hour": 8, "minute": 21}
